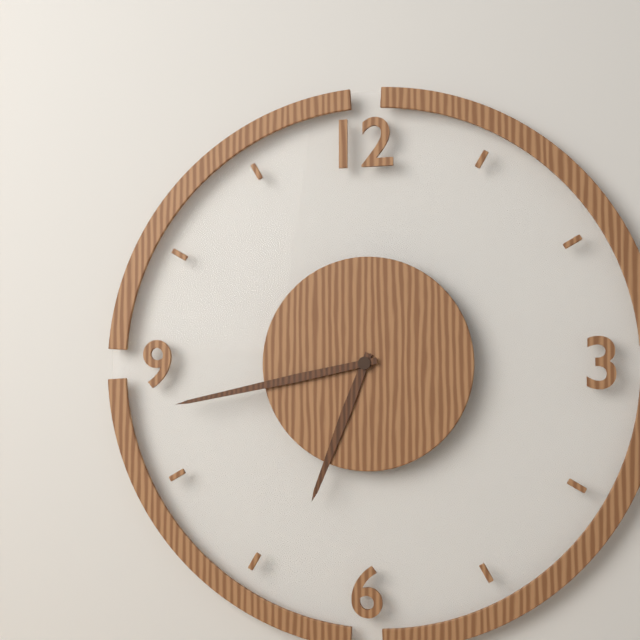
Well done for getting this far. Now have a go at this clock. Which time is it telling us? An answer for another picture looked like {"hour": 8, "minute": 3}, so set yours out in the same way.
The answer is {"hour": 6, "minute": 43}
